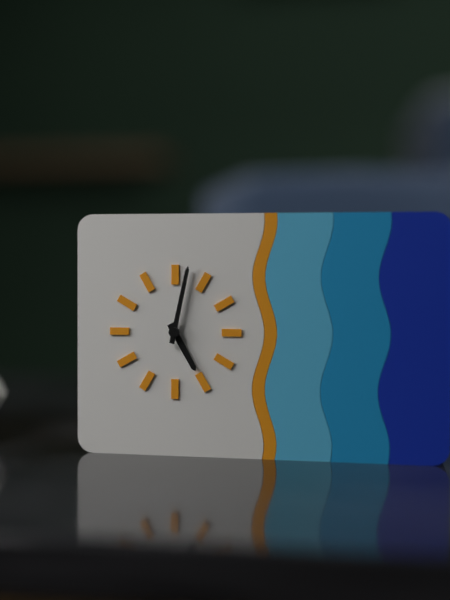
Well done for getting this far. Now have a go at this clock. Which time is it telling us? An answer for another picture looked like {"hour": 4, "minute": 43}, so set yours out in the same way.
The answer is {"hour": 5, "minute": 2}
